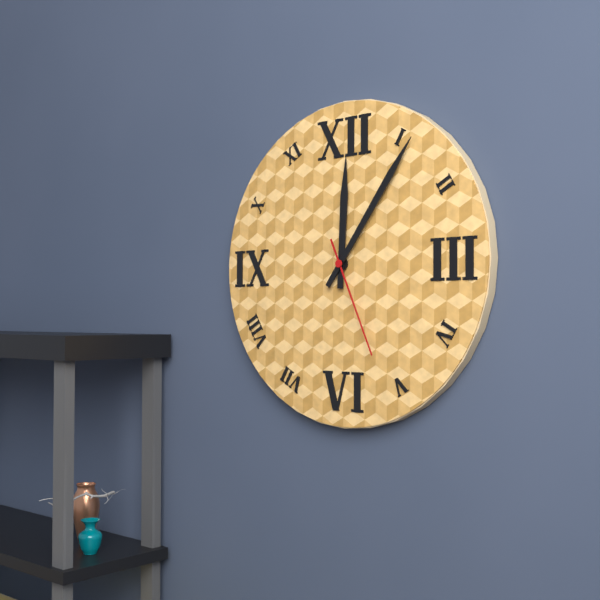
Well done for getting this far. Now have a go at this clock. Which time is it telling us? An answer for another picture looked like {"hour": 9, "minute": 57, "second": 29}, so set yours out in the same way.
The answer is {"hour": 12, "minute": 6, "second": 26}
